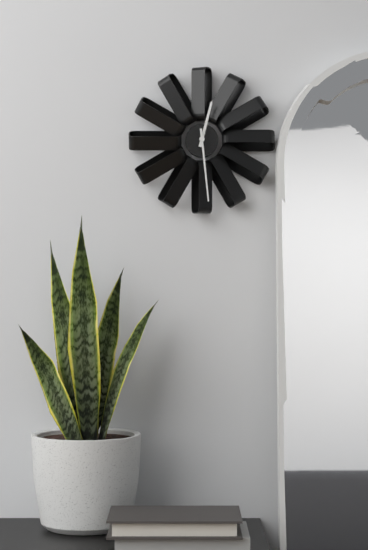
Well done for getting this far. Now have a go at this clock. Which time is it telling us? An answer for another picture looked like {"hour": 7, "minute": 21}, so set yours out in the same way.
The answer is {"hour": 12, "minute": 29}
